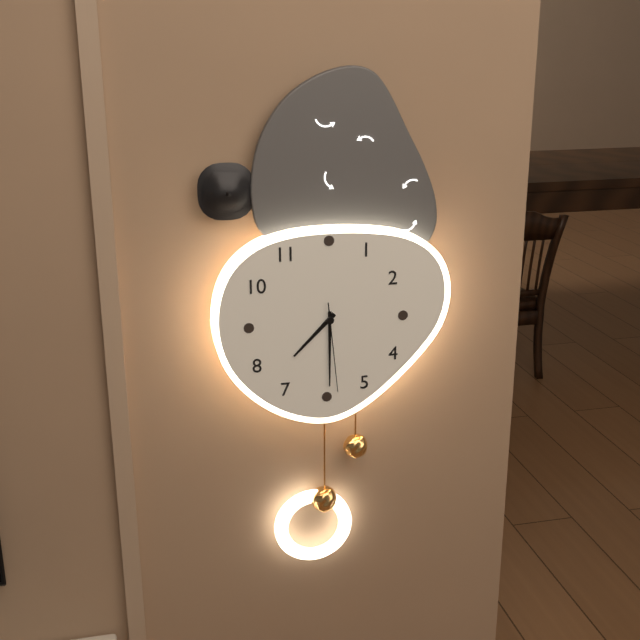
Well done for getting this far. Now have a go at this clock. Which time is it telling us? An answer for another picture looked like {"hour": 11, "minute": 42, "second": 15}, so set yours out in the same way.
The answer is {"hour": 7, "minute": 30, "second": 29}
